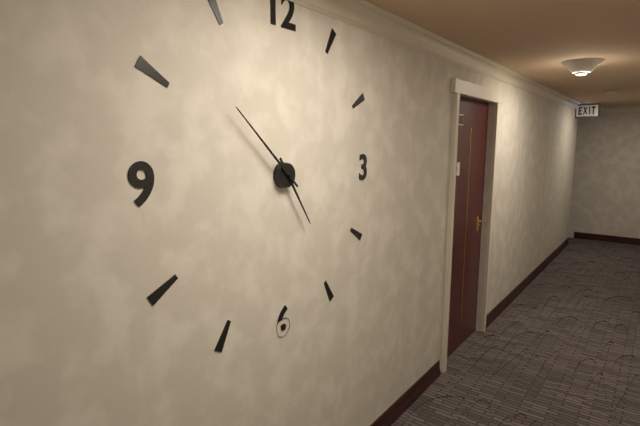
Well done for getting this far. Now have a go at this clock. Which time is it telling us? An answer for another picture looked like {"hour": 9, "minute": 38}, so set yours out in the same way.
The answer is {"hour": 4, "minute": 52}
